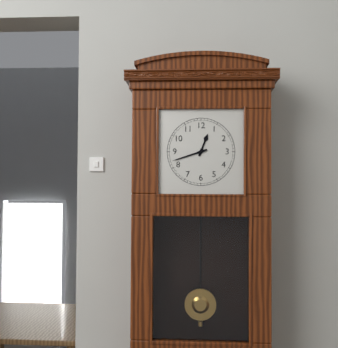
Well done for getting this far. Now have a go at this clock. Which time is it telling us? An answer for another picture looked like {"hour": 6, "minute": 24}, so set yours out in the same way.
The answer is {"hour": 12, "minute": 42}
